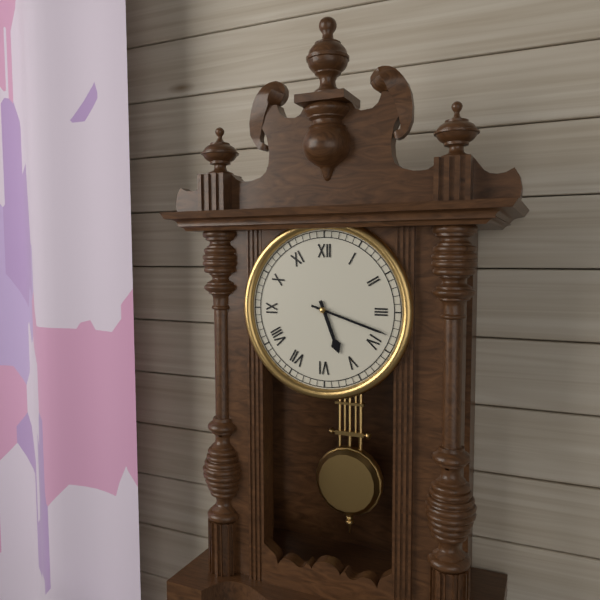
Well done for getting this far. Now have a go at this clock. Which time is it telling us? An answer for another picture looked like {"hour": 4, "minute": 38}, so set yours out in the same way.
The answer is {"hour": 5, "minute": 18}
